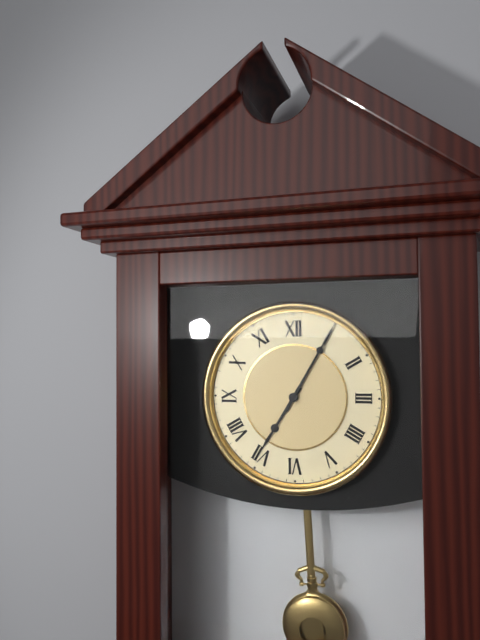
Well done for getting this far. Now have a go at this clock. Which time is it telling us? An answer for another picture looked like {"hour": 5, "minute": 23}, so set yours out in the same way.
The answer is {"hour": 7, "minute": 5}
